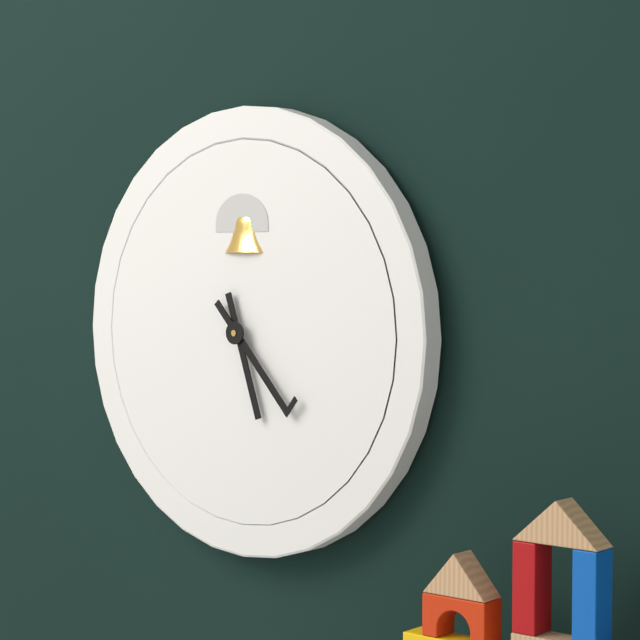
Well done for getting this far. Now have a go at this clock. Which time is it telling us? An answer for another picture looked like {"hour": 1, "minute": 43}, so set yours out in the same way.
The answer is {"hour": 5, "minute": 23}
